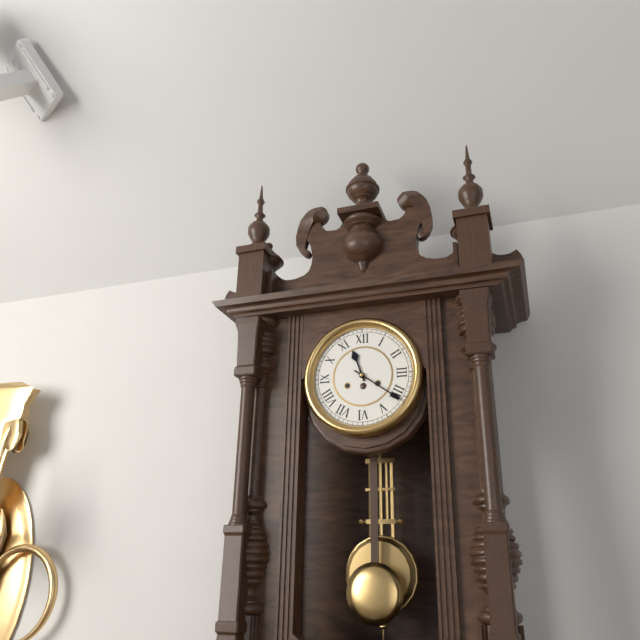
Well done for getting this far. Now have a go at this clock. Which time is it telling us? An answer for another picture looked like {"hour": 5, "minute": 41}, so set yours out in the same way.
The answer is {"hour": 11, "minute": 21}
